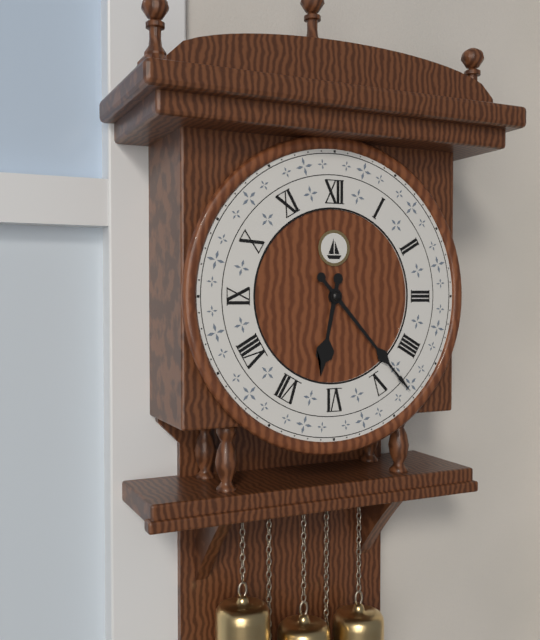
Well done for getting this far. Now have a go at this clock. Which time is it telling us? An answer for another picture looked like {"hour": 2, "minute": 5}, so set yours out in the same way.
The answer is {"hour": 6, "minute": 23}
